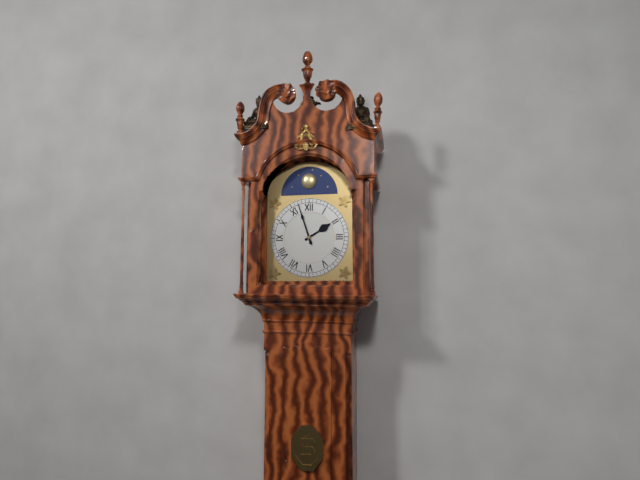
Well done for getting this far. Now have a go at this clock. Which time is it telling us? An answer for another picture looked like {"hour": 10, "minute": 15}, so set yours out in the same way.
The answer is {"hour": 1, "minute": 57}
